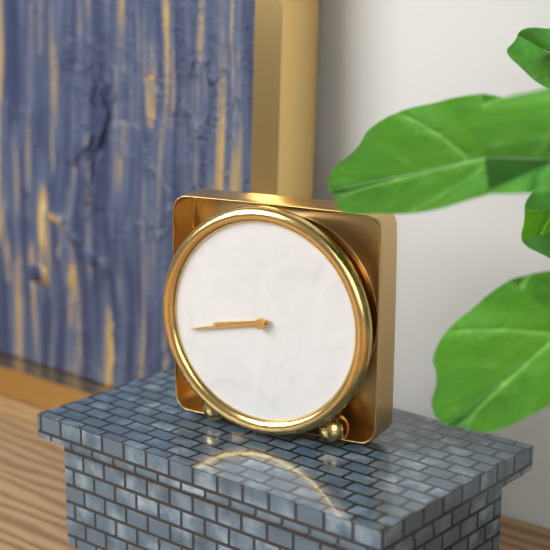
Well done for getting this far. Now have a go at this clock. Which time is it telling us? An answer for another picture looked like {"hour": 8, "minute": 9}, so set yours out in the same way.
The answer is {"hour": 8, "minute": 43}
